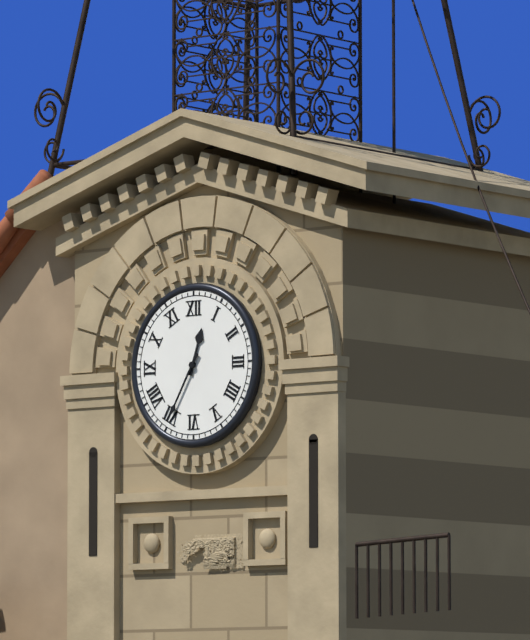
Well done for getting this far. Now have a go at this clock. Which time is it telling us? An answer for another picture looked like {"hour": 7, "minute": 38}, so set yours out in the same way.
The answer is {"hour": 12, "minute": 35}
